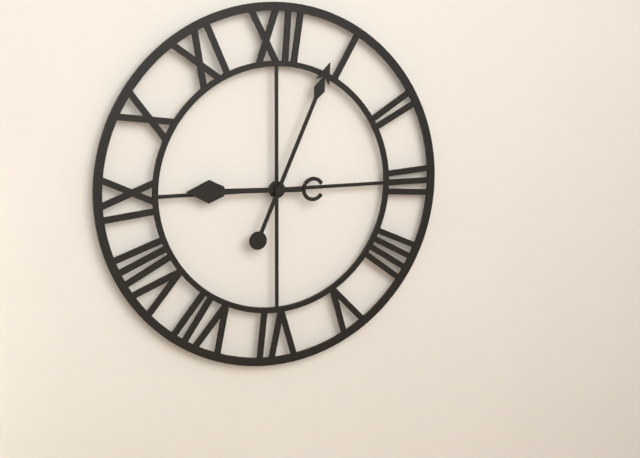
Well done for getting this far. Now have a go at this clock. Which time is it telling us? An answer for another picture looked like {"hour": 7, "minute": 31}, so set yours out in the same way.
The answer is {"hour": 9, "minute": 4}
